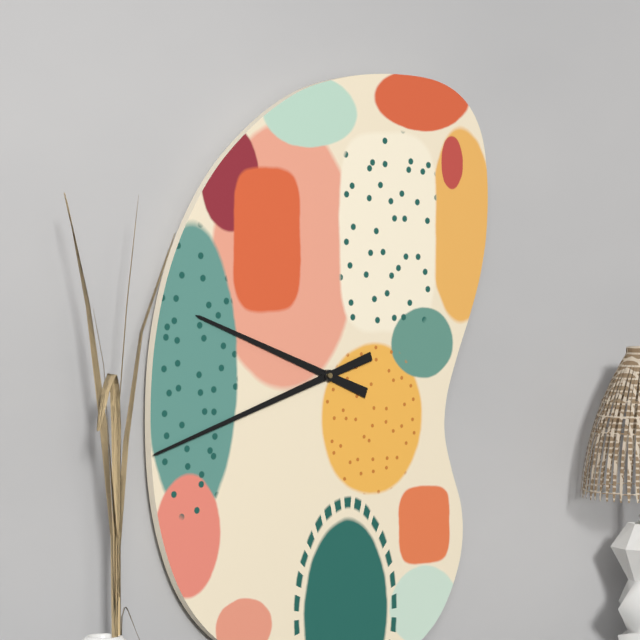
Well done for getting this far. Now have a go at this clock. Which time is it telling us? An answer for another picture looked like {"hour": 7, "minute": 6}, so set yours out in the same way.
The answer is {"hour": 9, "minute": 42}
